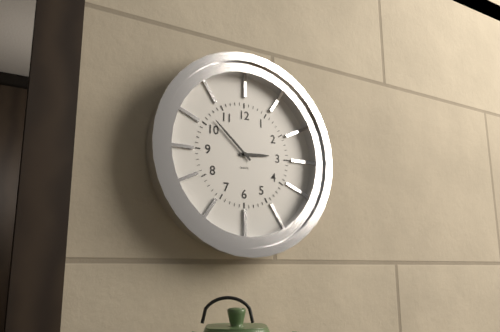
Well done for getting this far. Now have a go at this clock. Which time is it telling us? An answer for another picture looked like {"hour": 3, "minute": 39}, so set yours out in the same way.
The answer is {"hour": 2, "minute": 52}
